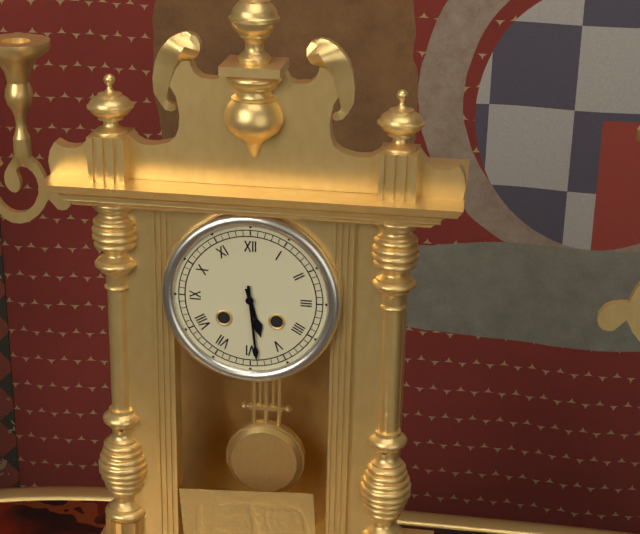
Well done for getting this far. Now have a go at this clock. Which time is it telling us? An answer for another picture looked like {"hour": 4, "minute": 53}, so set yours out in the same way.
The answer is {"hour": 5, "minute": 29}
